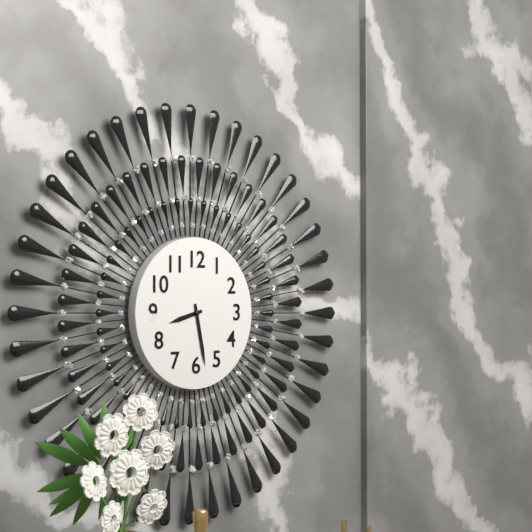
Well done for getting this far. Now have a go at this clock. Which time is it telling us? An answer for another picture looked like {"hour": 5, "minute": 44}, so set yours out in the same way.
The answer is {"hour": 8, "minute": 28}
